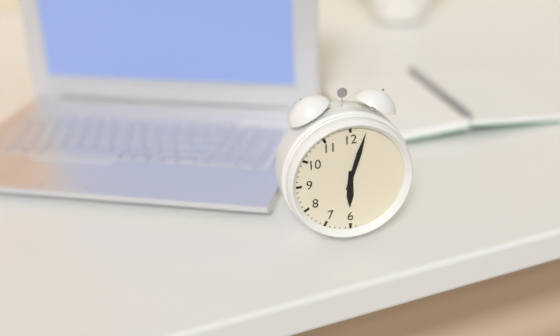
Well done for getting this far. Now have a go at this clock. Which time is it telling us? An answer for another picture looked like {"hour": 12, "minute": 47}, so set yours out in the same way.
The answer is {"hour": 6, "minute": 3}
